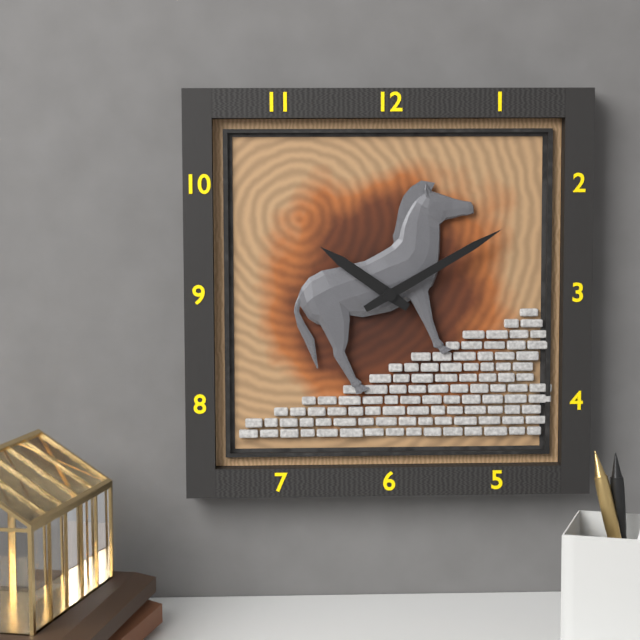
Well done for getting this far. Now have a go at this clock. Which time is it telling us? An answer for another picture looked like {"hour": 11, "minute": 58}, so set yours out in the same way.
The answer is {"hour": 10, "minute": 10}
